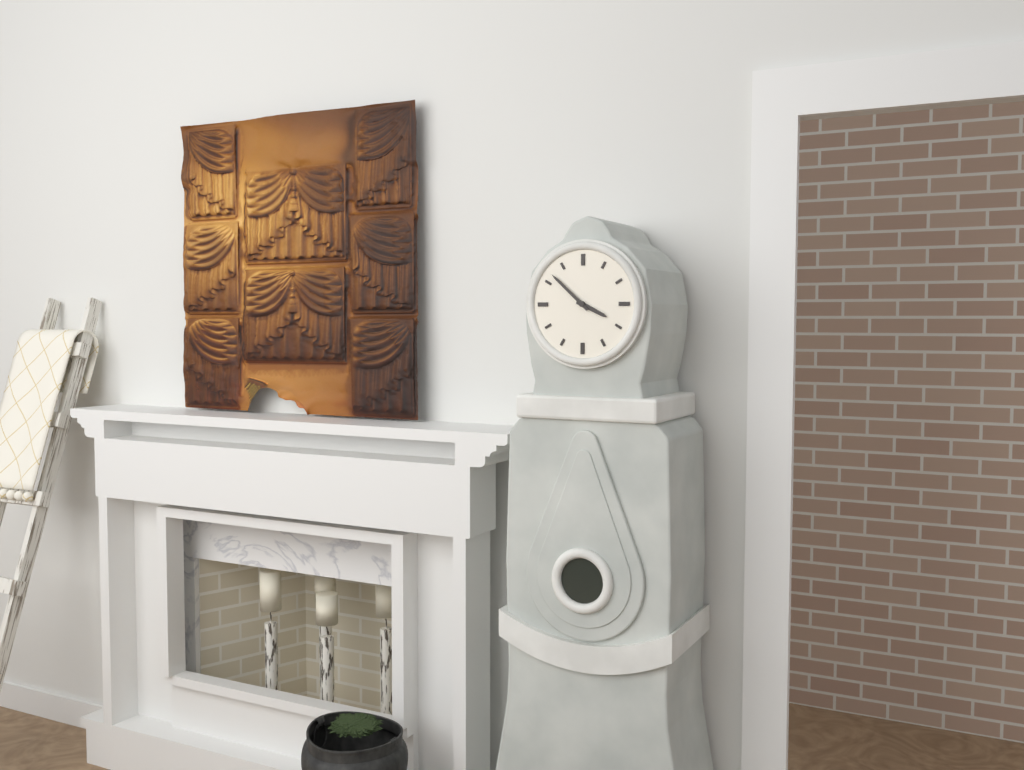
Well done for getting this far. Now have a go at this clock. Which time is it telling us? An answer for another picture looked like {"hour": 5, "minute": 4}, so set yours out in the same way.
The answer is {"hour": 3, "minute": 52}
